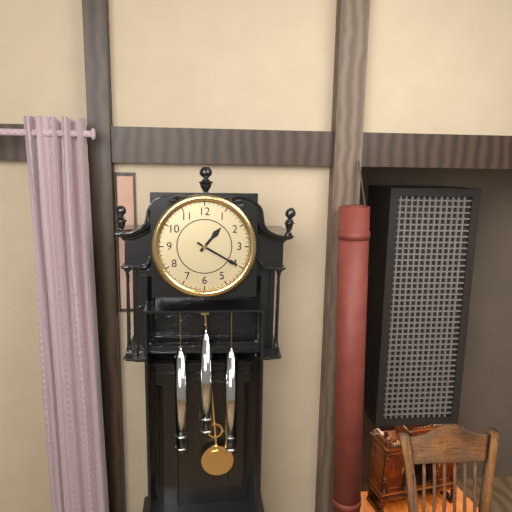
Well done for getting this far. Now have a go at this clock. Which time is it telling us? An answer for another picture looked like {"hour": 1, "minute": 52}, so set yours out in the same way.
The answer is {"hour": 1, "minute": 20}
